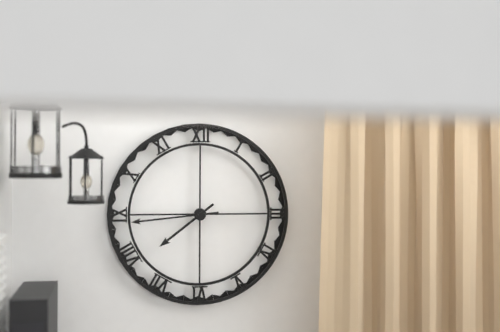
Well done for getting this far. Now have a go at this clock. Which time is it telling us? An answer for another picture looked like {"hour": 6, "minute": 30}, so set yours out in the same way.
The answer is {"hour": 7, "minute": 44}
